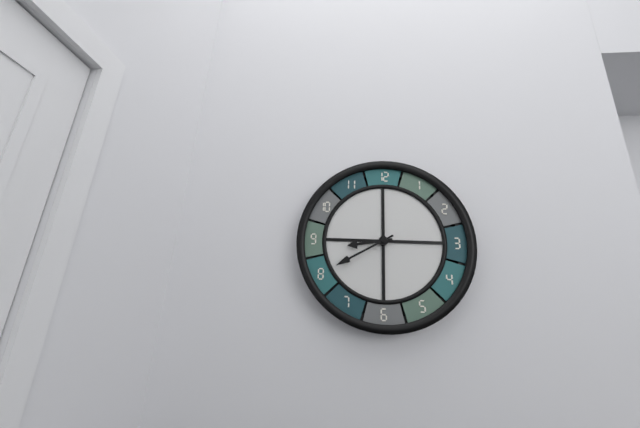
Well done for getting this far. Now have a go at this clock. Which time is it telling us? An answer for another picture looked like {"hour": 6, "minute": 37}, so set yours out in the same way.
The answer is {"hour": 8, "minute": 40}
